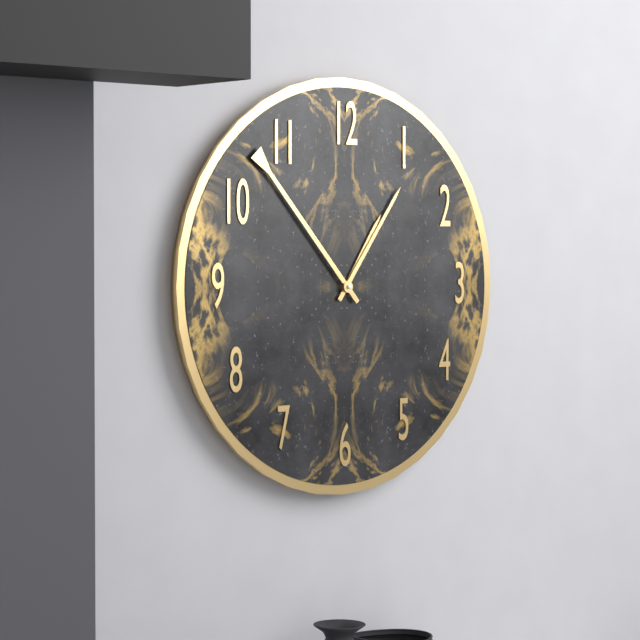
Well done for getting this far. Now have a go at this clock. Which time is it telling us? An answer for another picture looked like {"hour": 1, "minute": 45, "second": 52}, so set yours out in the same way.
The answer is {"hour": 1, "minute": 6, "second": 53}
